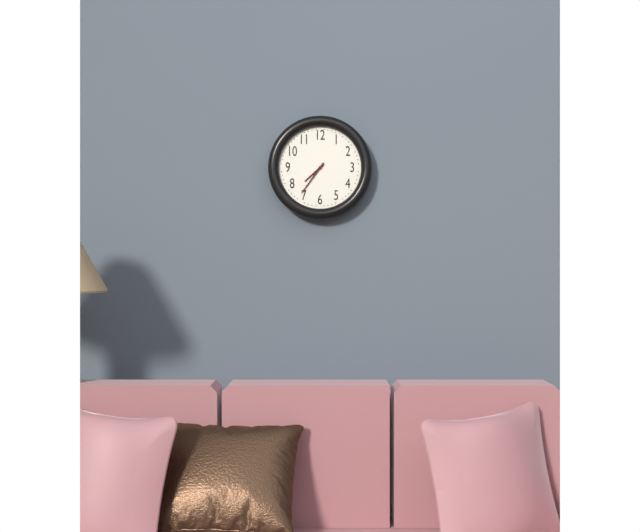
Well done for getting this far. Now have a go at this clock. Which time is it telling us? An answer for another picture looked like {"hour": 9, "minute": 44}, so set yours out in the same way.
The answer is {"hour": 7, "minute": 36}
